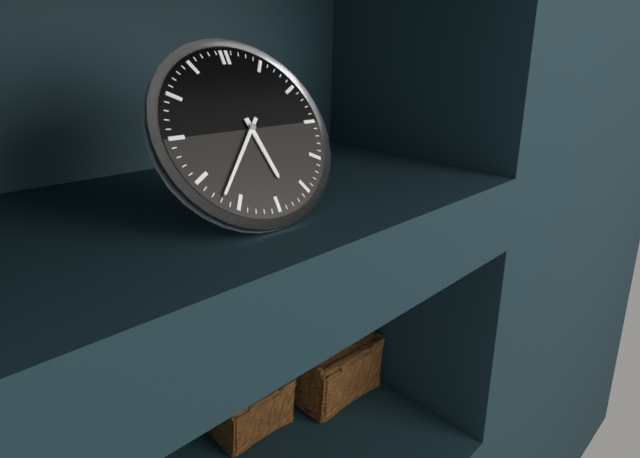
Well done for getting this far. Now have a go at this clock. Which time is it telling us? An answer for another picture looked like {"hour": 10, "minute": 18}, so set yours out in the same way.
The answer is {"hour": 5, "minute": 37}
